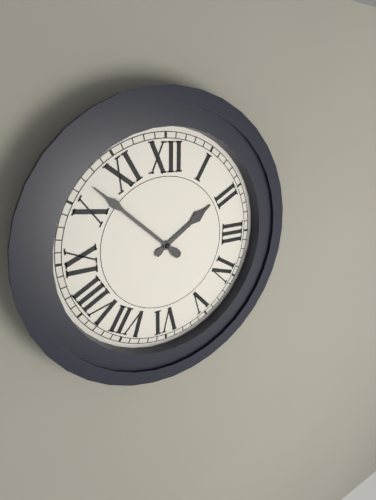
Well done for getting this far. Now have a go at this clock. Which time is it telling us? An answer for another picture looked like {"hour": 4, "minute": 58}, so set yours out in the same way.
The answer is {"hour": 1, "minute": 52}
